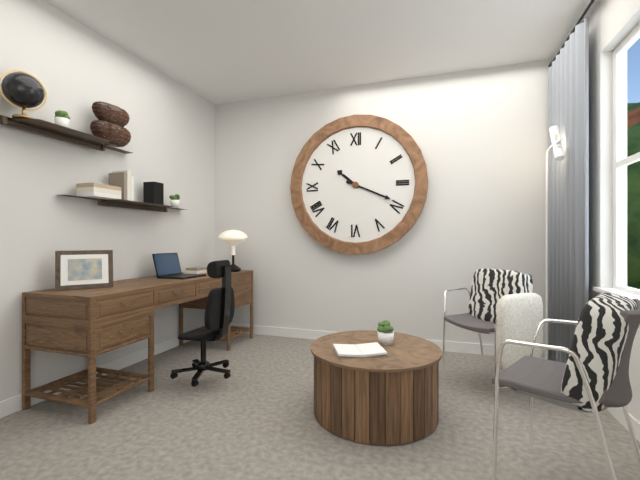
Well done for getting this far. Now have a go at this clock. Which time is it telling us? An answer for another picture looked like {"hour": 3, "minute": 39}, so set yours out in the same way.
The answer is {"hour": 10, "minute": 19}
